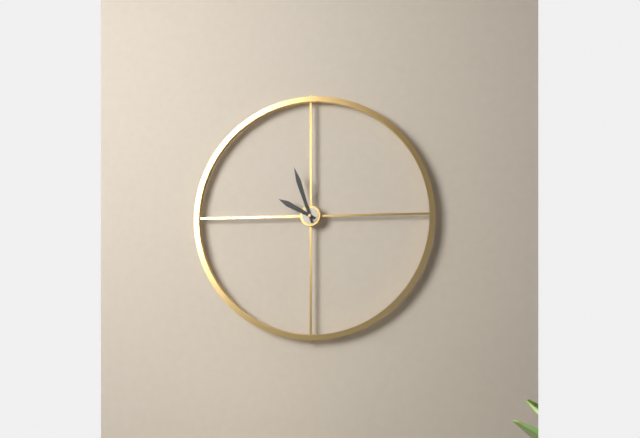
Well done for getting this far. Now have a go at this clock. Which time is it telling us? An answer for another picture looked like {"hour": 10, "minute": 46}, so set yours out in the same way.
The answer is {"hour": 9, "minute": 57}
